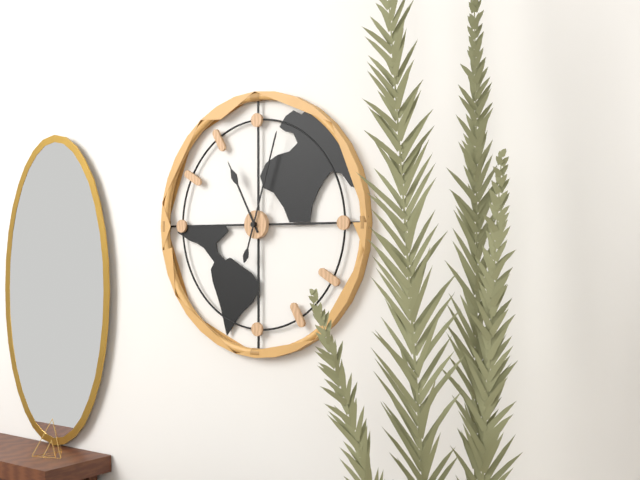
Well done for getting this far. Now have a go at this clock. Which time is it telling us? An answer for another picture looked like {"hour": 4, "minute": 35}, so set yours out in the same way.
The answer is {"hour": 11, "minute": 3}
